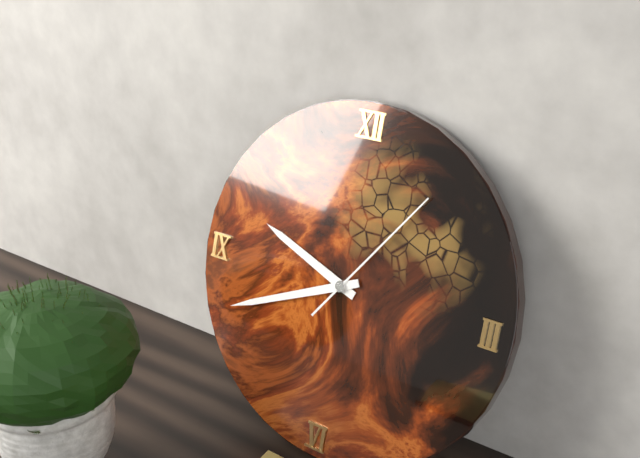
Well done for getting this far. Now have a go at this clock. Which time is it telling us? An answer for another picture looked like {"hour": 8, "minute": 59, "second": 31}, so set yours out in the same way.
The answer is {"hour": 9, "minute": 41, "second": 6}
